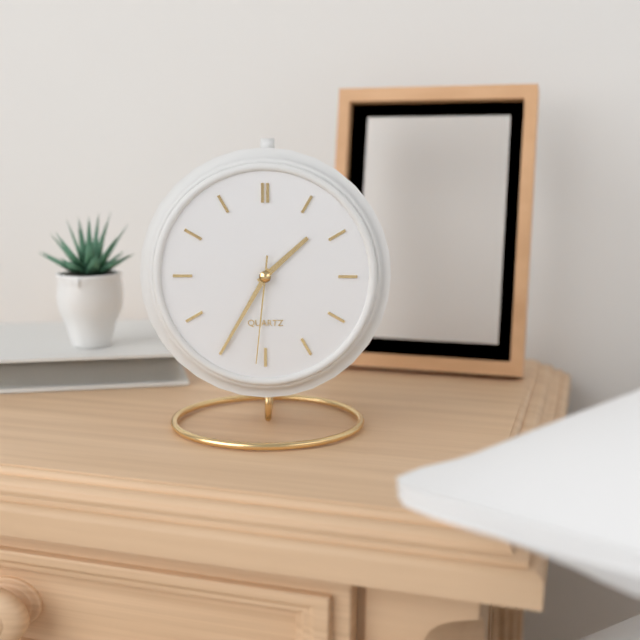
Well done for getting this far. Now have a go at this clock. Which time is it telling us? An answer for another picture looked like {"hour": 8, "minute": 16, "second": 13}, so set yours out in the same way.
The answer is {"hour": 1, "minute": 35, "second": 31}
